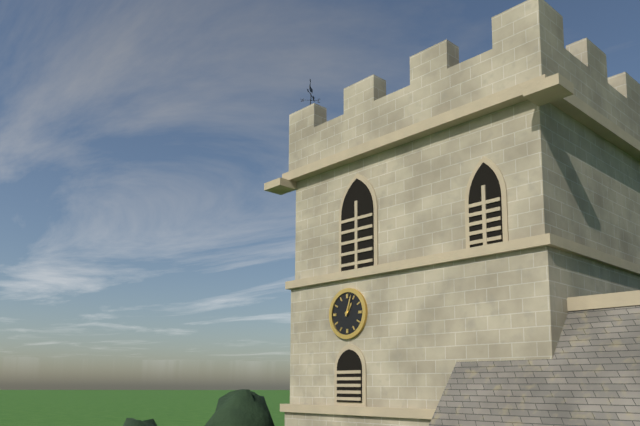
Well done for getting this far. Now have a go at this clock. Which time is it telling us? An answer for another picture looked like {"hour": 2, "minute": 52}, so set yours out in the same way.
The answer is {"hour": 1, "minute": 3}
